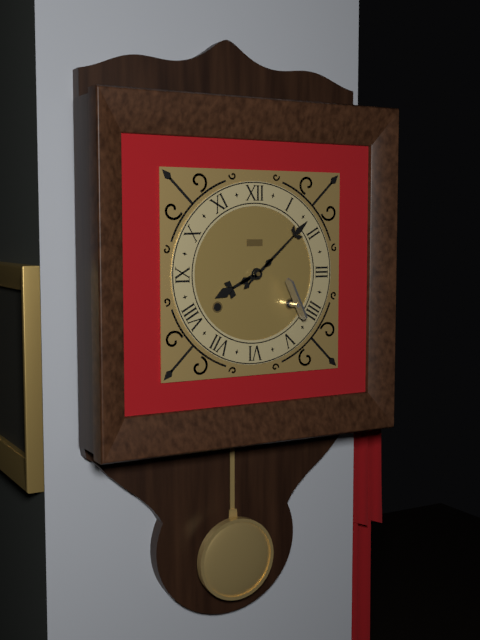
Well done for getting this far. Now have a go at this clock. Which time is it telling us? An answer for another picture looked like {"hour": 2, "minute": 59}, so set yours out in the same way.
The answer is {"hour": 8, "minute": 8}
